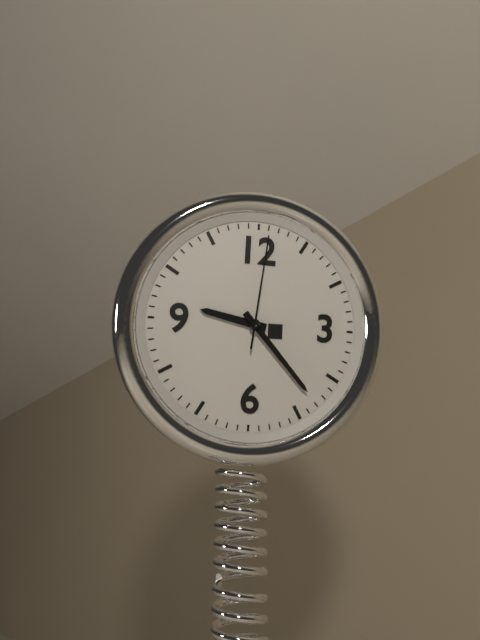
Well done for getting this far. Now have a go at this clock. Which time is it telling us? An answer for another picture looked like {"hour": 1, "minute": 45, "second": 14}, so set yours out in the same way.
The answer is {"hour": 9, "minute": 23, "second": 1}
